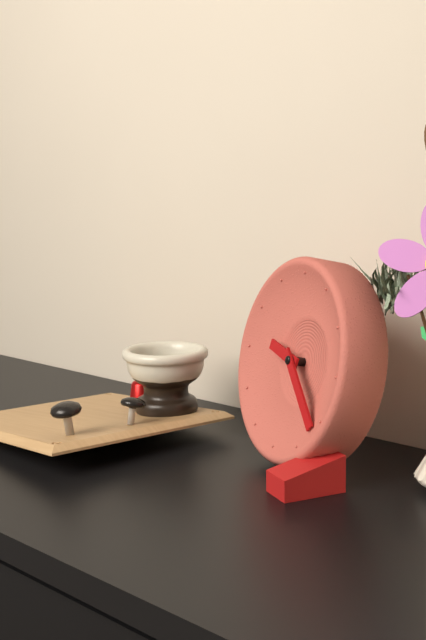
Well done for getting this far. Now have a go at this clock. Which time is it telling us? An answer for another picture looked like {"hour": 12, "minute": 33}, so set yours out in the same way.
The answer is {"hour": 9, "minute": 22}
